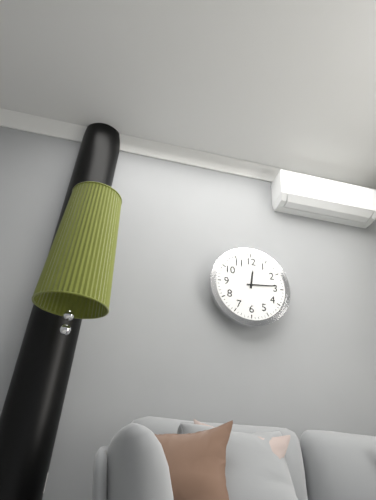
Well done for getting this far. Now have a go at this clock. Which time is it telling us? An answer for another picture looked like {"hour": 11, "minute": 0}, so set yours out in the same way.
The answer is {"hour": 12, "minute": 14}
